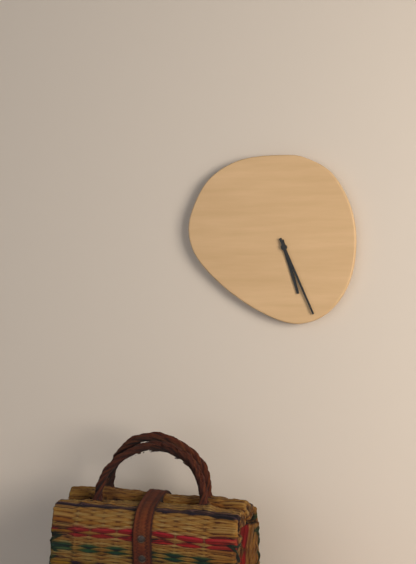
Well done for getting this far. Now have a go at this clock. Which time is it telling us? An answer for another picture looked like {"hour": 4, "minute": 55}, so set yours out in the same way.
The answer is {"hour": 5, "minute": 26}
